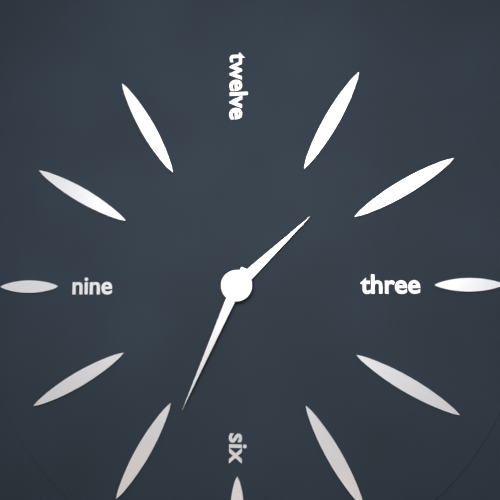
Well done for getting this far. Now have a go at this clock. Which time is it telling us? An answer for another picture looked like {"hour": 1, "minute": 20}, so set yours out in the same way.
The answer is {"hour": 1, "minute": 34}
